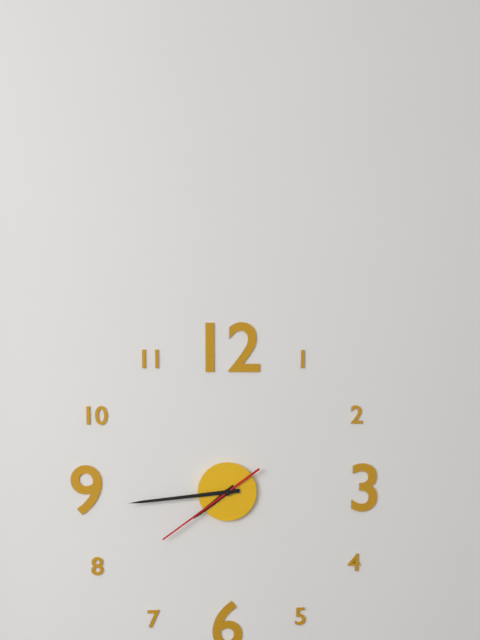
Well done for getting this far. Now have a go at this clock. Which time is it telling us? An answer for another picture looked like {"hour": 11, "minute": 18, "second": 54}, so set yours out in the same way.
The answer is {"hour": 7, "minute": 44, "second": 39}
